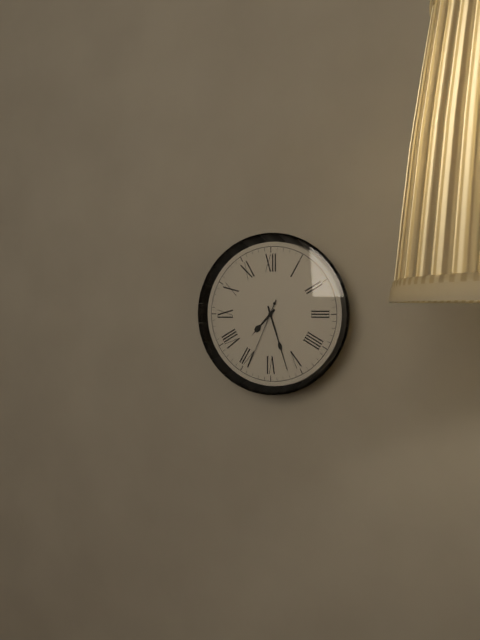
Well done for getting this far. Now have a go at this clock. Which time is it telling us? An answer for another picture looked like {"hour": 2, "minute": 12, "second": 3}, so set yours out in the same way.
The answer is {"hour": 7, "minute": 27, "second": 34}
